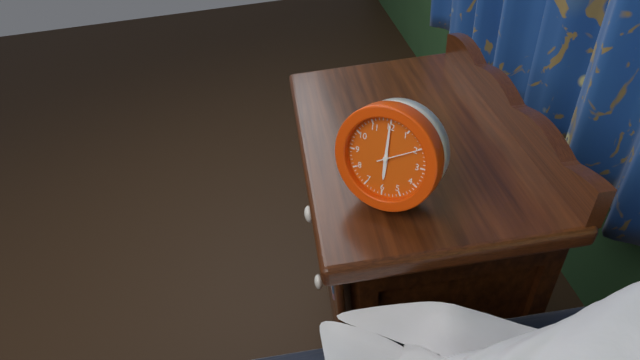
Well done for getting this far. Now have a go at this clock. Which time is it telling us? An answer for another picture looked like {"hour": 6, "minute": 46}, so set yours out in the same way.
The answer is {"hour": 6, "minute": 0}
